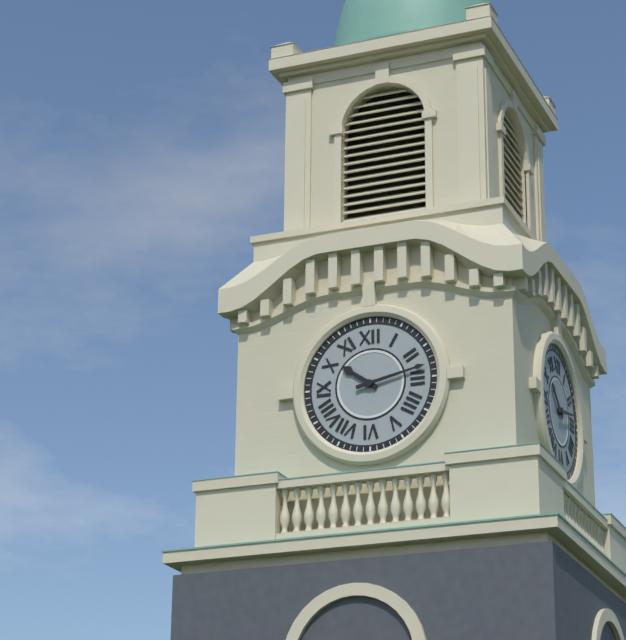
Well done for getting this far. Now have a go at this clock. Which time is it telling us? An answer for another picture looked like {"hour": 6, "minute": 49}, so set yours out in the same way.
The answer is {"hour": 10, "minute": 13}
